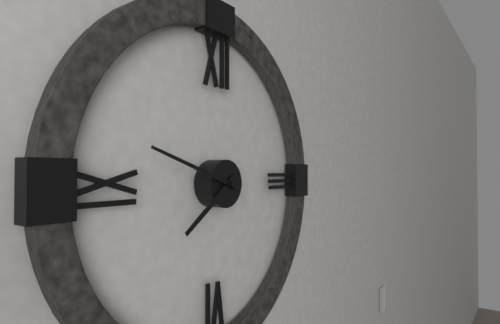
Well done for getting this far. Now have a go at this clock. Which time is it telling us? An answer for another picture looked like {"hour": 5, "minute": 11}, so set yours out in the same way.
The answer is {"hour": 7, "minute": 48}
